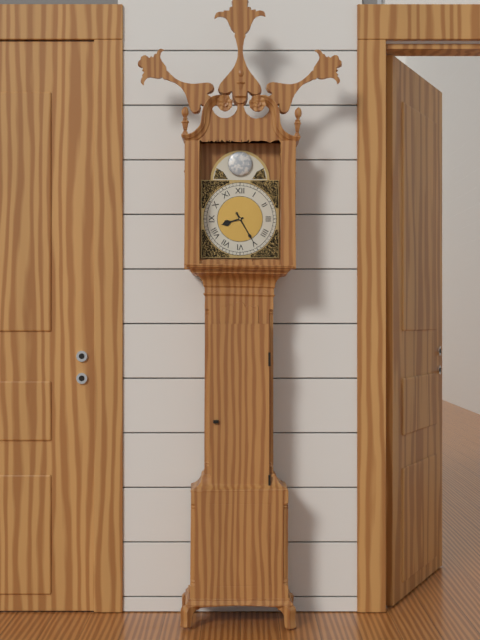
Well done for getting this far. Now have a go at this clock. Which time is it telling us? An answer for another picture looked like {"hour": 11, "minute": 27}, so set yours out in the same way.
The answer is {"hour": 8, "minute": 25}
